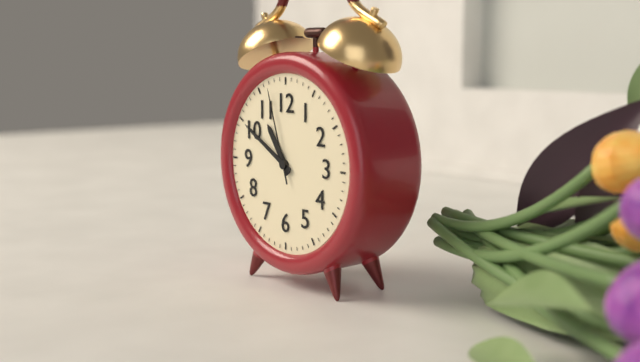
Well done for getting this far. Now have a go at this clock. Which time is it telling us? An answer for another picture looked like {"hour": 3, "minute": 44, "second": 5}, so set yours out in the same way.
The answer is {"hour": 10, "minute": 50, "second": 57}
